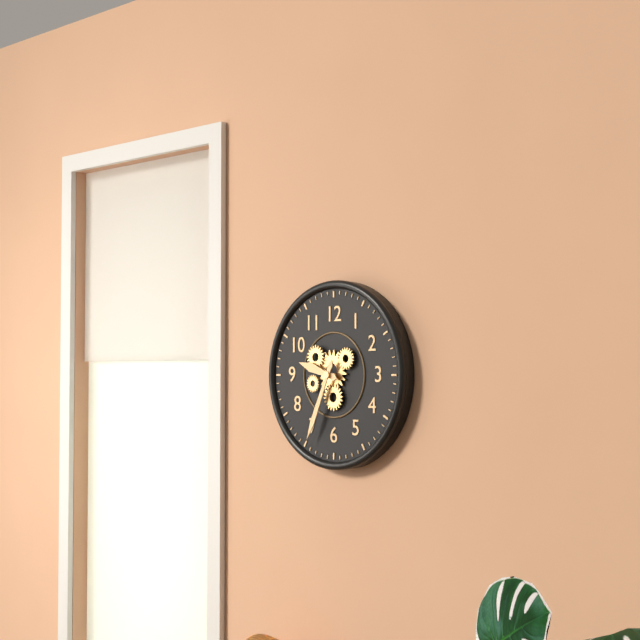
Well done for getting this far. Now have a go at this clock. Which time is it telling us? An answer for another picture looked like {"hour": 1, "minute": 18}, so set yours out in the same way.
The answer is {"hour": 9, "minute": 34}
